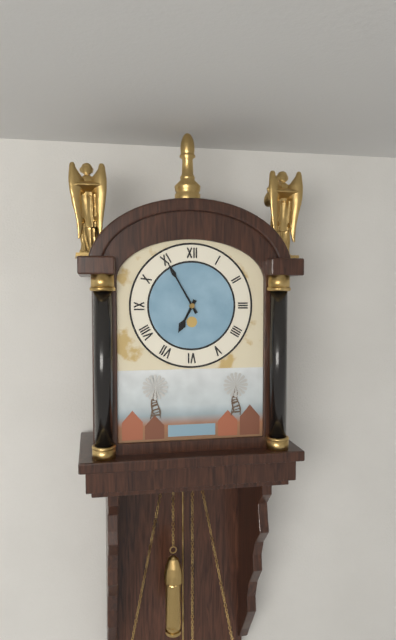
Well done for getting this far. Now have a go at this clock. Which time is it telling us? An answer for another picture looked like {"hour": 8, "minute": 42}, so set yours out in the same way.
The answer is {"hour": 6, "minute": 55}
